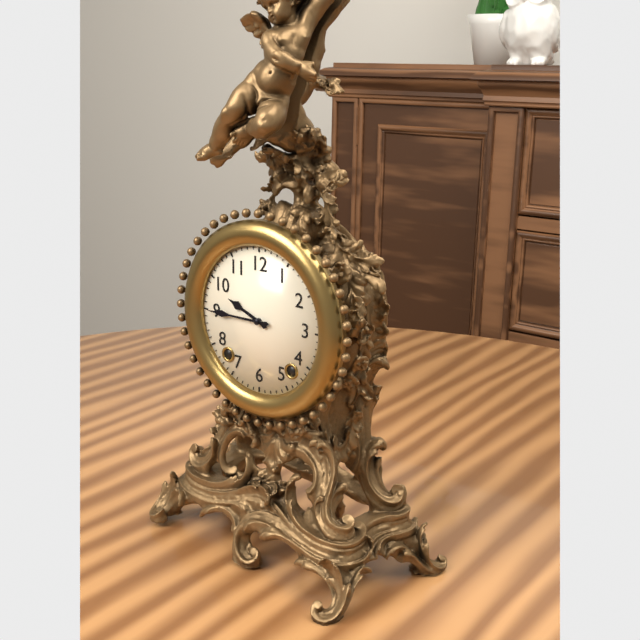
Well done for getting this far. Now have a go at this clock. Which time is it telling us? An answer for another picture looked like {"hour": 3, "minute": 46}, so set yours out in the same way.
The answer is {"hour": 9, "minute": 45}
